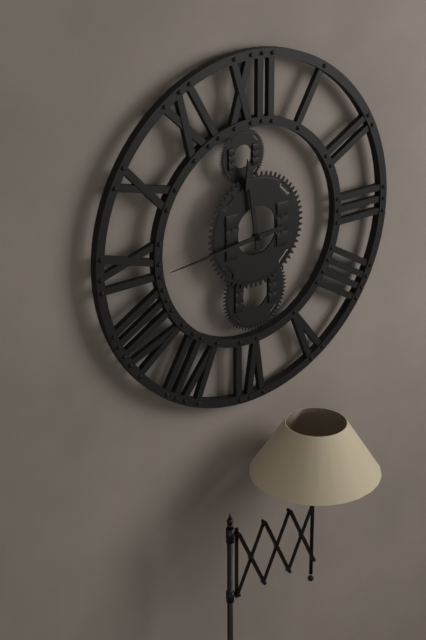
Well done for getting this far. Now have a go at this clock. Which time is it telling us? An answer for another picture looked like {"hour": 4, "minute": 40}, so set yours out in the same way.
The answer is {"hour": 11, "minute": 44}
